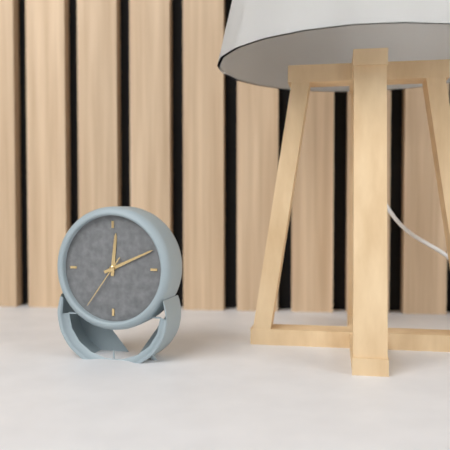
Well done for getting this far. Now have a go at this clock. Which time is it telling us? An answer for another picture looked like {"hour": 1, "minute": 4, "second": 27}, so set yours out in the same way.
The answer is {"hour": 12, "minute": 11, "second": 36}
